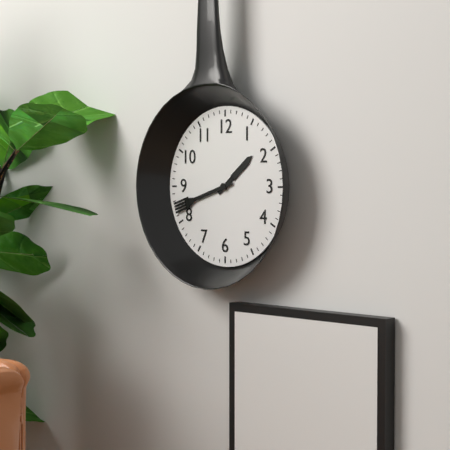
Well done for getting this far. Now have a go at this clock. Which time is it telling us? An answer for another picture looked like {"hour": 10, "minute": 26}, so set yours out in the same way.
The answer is {"hour": 1, "minute": 42}
